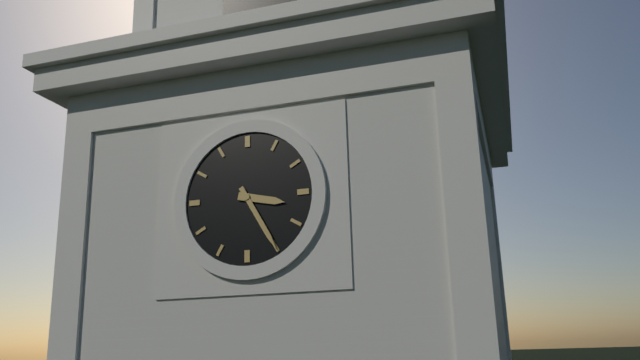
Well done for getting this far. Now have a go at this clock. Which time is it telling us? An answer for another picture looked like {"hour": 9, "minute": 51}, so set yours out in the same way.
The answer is {"hour": 3, "minute": 25}
